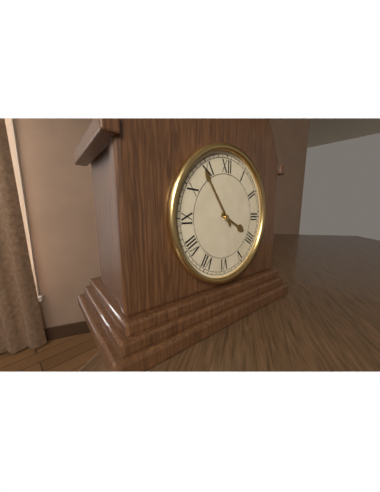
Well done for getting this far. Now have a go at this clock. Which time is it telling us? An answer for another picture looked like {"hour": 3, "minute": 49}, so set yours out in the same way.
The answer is {"hour": 3, "minute": 54}
